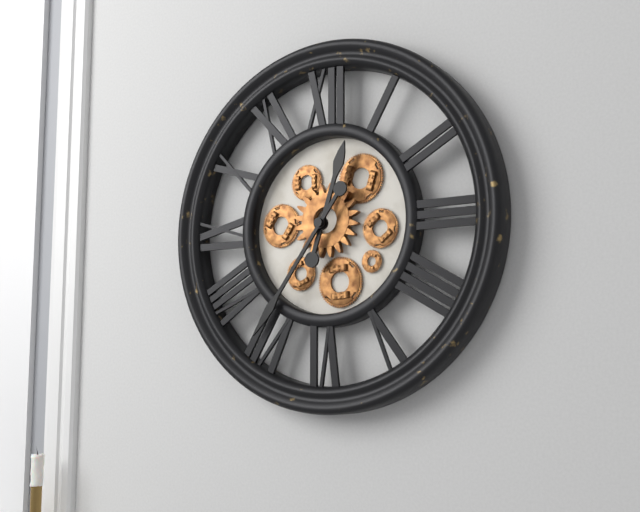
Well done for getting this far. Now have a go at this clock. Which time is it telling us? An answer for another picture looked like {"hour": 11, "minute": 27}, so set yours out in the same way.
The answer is {"hour": 12, "minute": 36}
